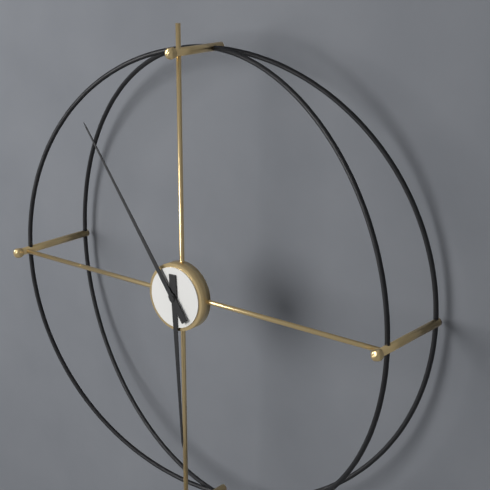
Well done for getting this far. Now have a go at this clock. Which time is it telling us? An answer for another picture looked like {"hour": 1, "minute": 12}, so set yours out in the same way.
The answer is {"hour": 5, "minute": 54}
